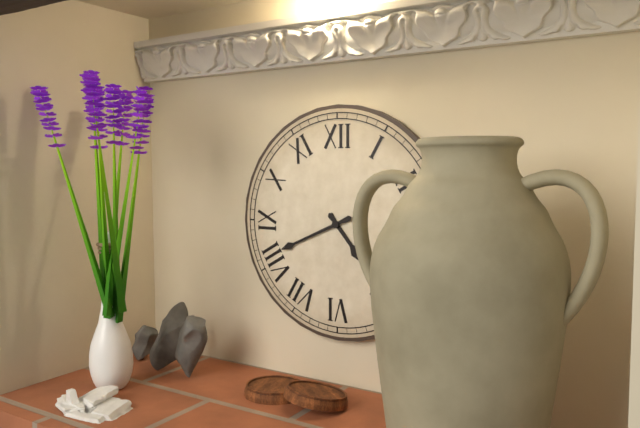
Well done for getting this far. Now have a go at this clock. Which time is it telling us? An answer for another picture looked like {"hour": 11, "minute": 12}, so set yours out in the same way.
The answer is {"hour": 4, "minute": 41}
